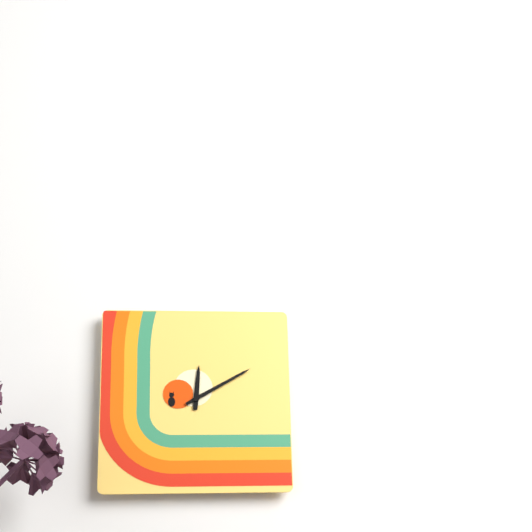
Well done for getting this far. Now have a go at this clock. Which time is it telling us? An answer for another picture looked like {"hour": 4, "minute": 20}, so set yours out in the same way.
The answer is {"hour": 12, "minute": 10}
